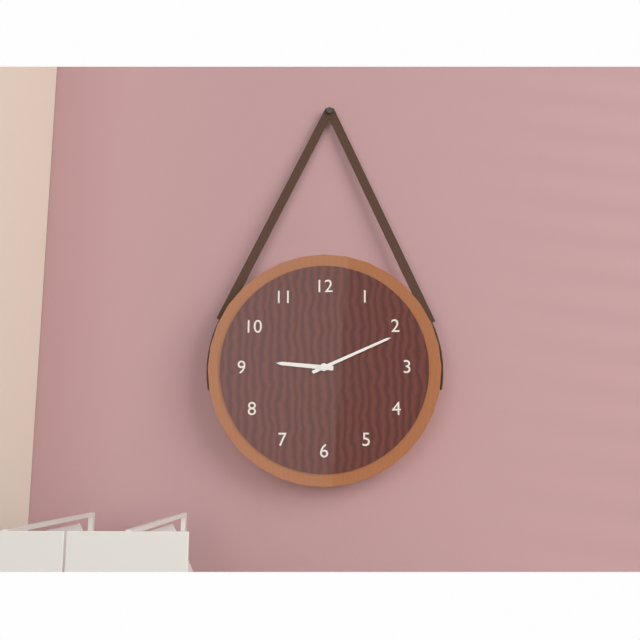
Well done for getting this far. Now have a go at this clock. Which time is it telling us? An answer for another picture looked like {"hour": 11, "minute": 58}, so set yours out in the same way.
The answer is {"hour": 9, "minute": 11}
